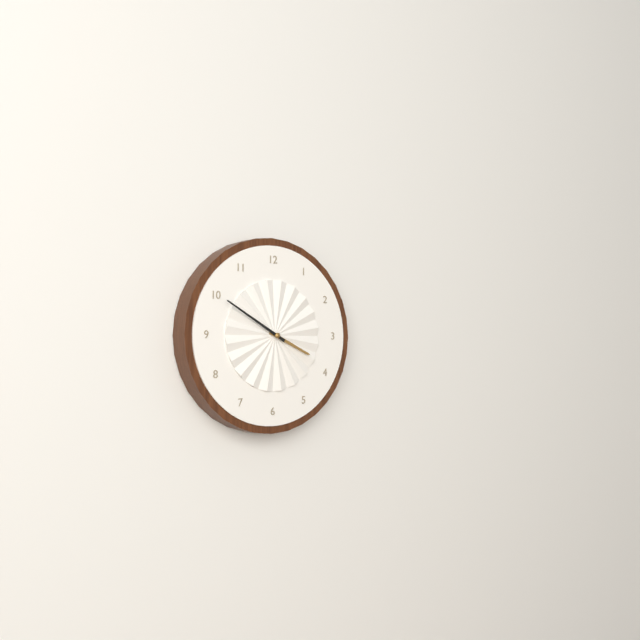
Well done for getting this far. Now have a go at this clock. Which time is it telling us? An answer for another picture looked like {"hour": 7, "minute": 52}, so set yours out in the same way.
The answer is {"hour": 3, "minute": 50}
